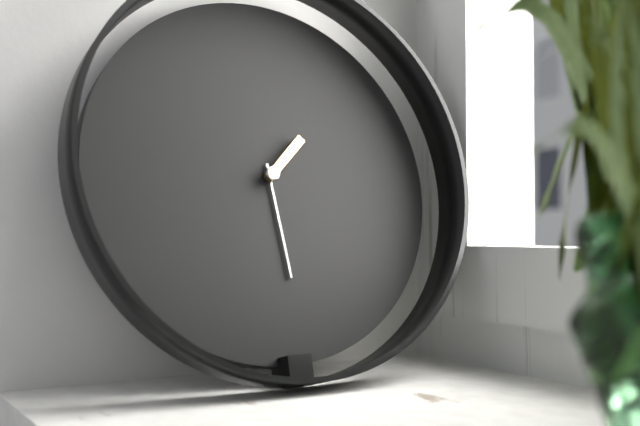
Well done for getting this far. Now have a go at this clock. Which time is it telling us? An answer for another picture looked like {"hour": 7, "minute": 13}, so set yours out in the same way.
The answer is {"hour": 1, "minute": 29}
